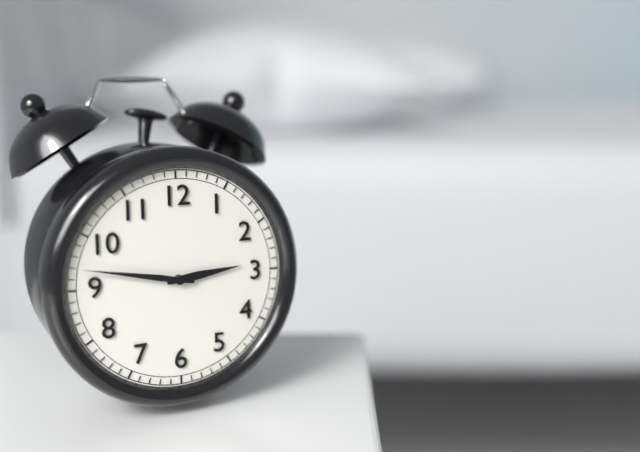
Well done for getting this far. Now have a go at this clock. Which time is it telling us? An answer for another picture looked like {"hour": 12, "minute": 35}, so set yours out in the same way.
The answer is {"hour": 2, "minute": 47}
